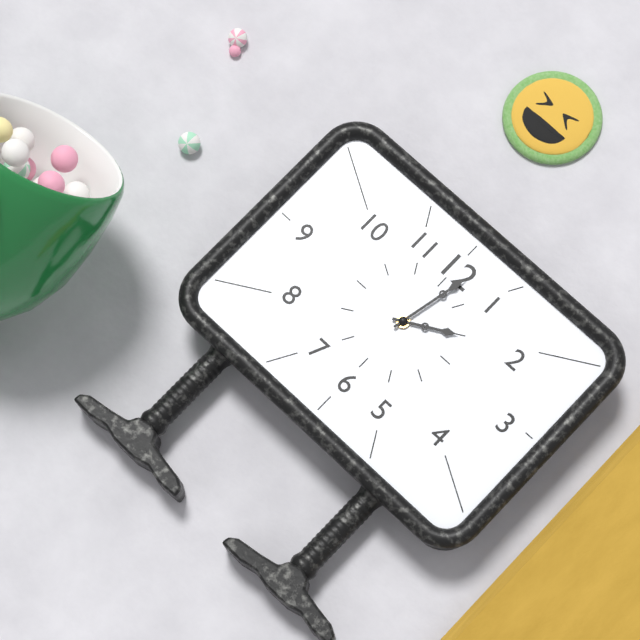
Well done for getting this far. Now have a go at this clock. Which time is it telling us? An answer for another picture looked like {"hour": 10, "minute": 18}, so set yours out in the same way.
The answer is {"hour": 2, "minute": 2}
